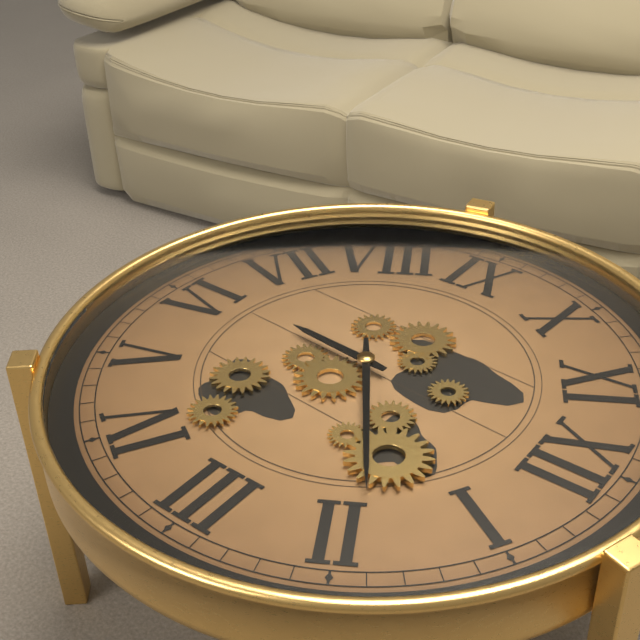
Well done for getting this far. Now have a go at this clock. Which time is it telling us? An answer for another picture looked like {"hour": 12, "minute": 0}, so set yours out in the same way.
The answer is {"hour": 6, "minute": 9}
